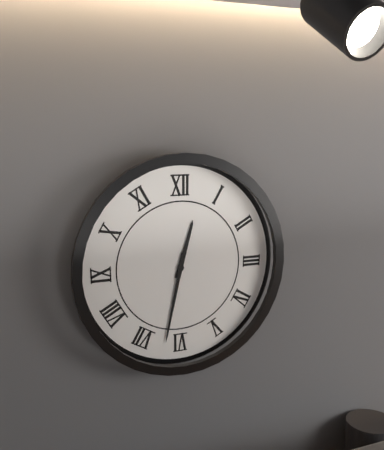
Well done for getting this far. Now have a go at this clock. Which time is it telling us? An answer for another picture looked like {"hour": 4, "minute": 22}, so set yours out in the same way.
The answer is {"hour": 12, "minute": 32}
